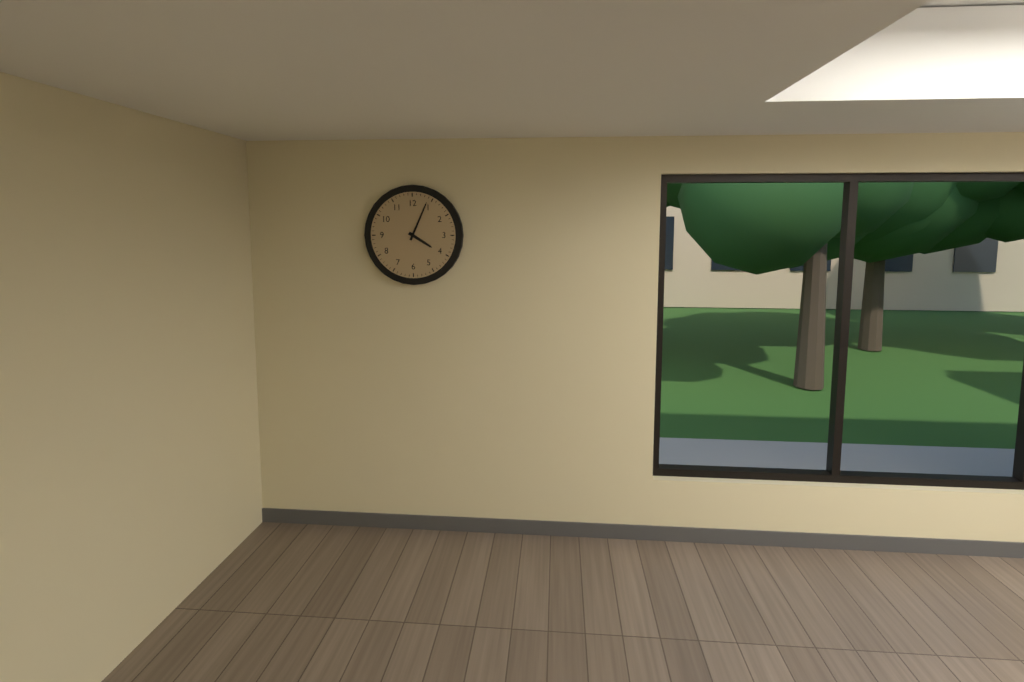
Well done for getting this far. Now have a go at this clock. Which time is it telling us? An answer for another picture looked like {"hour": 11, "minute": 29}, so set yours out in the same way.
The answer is {"hour": 4, "minute": 4}
